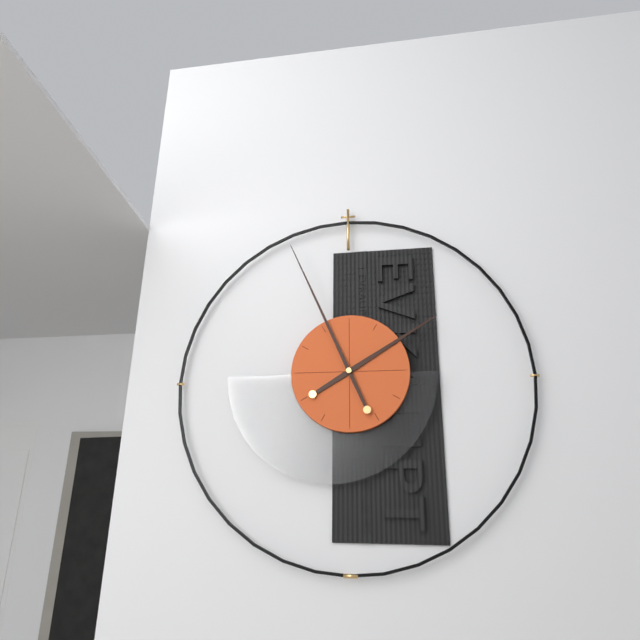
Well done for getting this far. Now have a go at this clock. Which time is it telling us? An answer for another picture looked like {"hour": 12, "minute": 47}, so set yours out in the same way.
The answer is {"hour": 1, "minute": 56}
